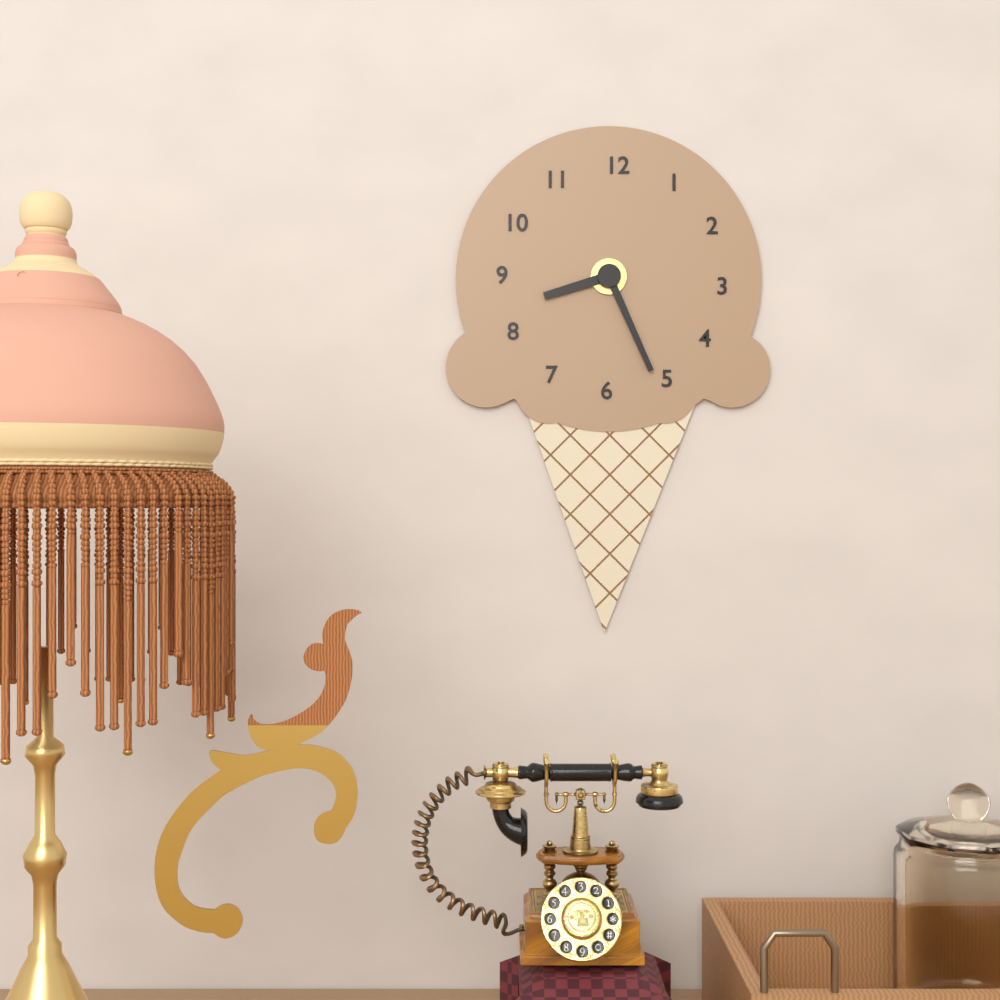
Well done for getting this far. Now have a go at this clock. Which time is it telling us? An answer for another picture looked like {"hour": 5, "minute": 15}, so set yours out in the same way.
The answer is {"hour": 8, "minute": 26}
